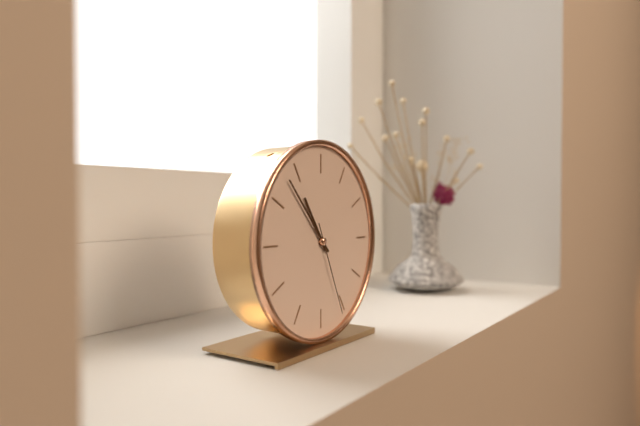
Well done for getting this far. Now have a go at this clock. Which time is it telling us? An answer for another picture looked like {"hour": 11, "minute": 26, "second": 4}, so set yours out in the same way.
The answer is {"hour": 10, "minute": 53, "second": 26}
